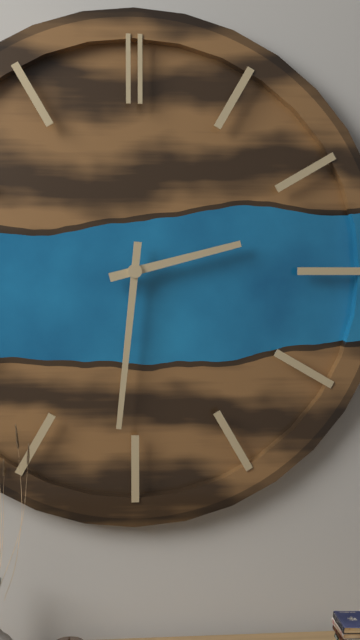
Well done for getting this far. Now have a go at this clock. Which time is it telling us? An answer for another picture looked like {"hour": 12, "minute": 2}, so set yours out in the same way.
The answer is {"hour": 2, "minute": 31}
